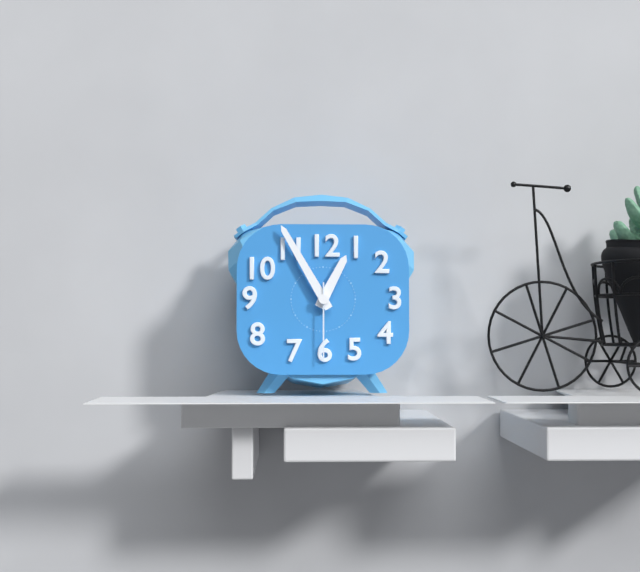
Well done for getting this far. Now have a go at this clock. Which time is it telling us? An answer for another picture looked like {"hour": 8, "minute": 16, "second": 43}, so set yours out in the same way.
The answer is {"hour": 12, "minute": 55, "second": 30}
